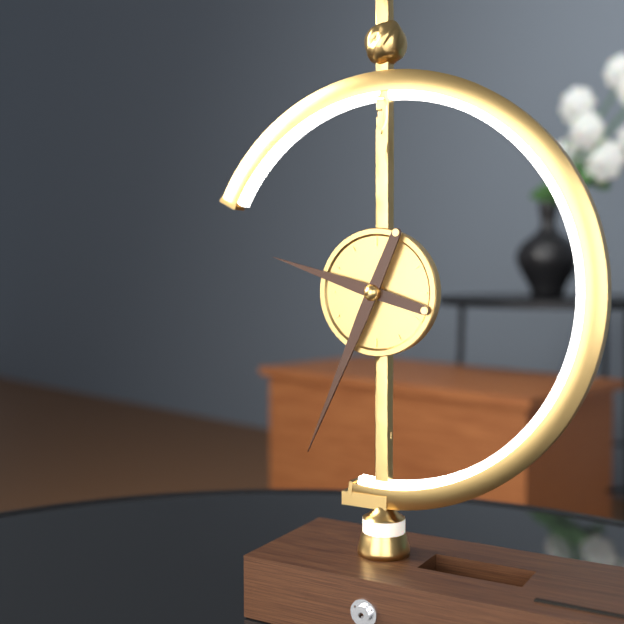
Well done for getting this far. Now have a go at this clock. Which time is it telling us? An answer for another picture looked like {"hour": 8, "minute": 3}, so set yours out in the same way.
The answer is {"hour": 9, "minute": 34}
